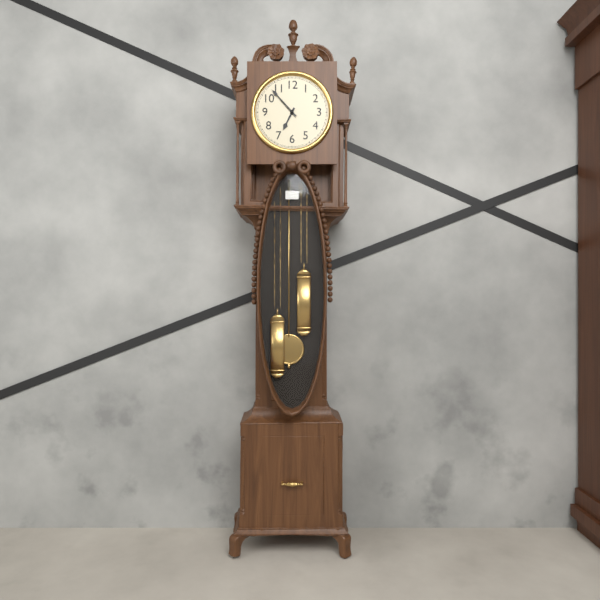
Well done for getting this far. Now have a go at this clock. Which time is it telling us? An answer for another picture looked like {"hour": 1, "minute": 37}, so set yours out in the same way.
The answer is {"hour": 6, "minute": 53}
